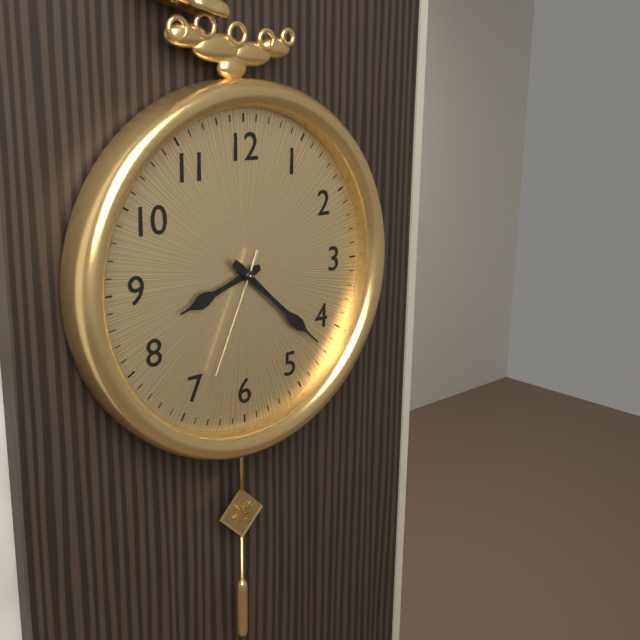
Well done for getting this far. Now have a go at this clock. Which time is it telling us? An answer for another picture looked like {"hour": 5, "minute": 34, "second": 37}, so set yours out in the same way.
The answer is {"hour": 8, "minute": 22, "second": 34}
